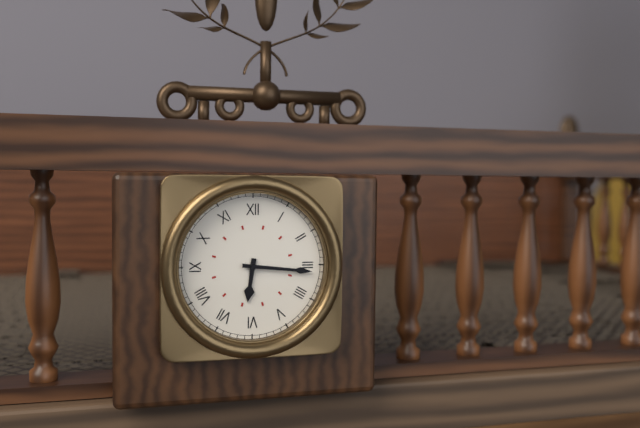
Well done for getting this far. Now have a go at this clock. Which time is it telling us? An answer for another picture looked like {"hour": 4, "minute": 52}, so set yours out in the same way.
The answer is {"hour": 6, "minute": 16}
